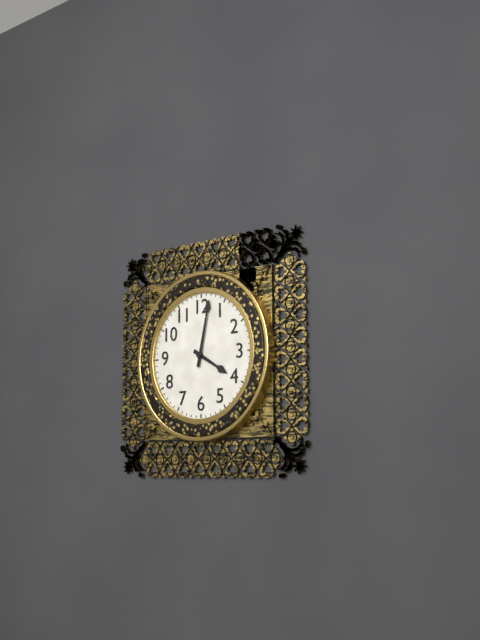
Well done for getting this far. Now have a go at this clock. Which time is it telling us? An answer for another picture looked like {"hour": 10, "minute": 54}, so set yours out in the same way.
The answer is {"hour": 4, "minute": 2}
